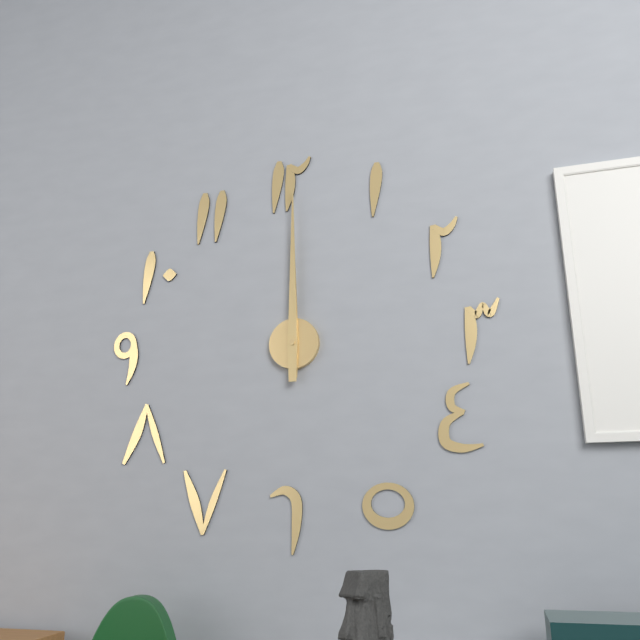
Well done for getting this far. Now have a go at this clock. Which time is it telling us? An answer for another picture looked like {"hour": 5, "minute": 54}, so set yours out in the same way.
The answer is {"hour": 12, "minute": 0}
